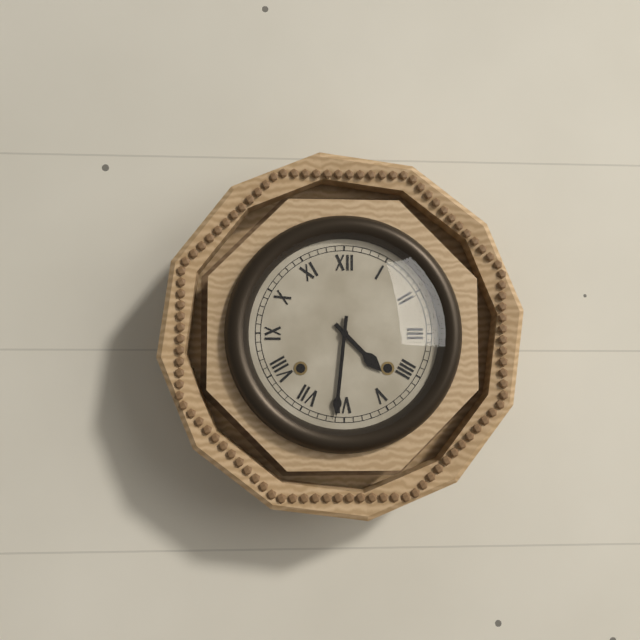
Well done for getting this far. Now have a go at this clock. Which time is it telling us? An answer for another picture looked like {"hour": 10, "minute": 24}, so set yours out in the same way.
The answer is {"hour": 4, "minute": 31}
